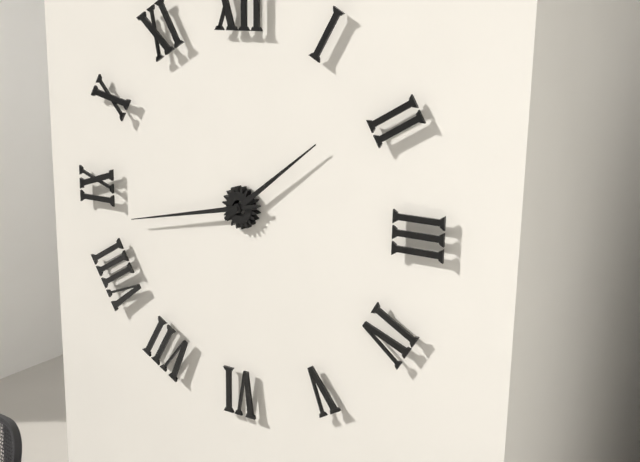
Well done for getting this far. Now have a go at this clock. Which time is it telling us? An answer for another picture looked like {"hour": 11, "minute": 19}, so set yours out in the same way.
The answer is {"hour": 1, "minute": 43}
